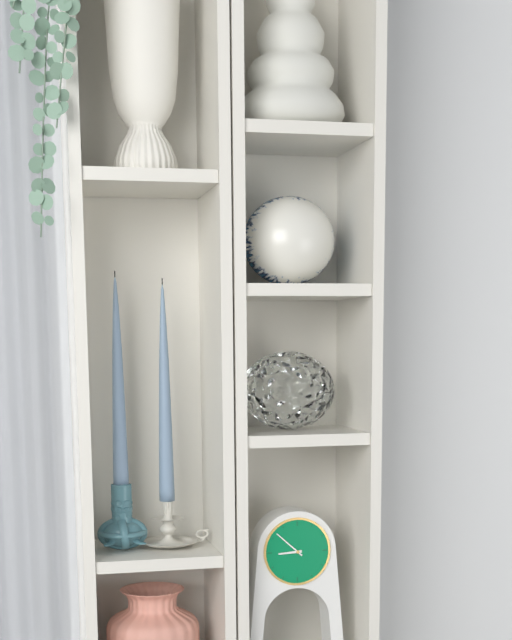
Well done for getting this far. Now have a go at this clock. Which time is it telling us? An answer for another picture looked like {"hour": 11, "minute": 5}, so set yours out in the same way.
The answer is {"hour": 8, "minute": 52}
